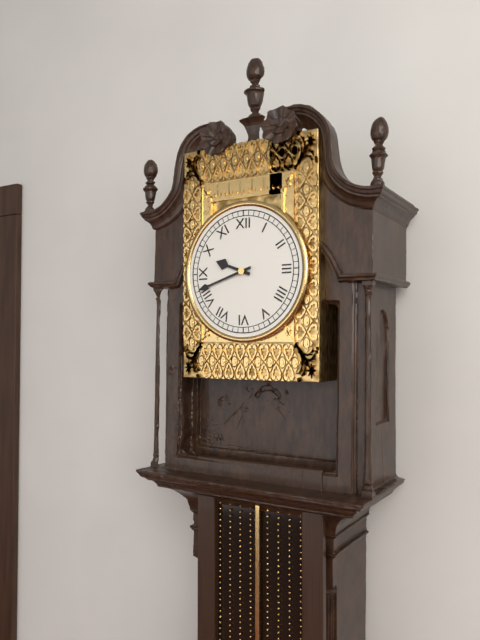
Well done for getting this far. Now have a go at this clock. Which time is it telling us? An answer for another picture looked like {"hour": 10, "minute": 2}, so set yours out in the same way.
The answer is {"hour": 9, "minute": 42}
